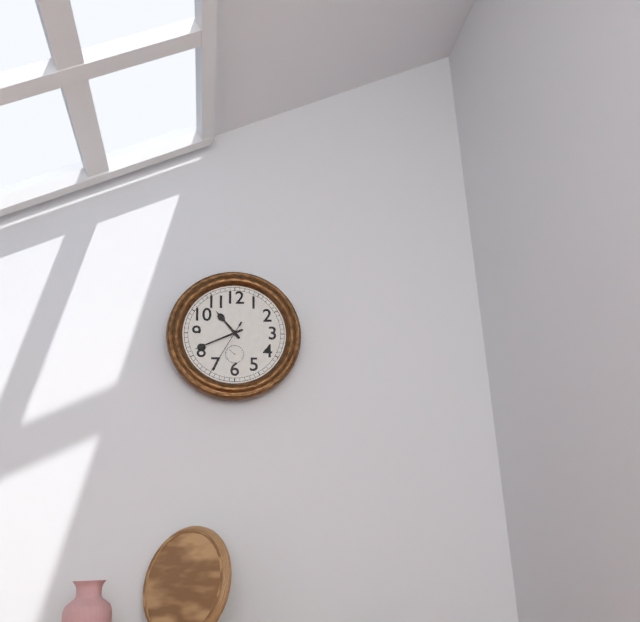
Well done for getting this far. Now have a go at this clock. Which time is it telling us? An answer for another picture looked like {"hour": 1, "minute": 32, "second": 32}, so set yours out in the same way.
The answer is {"hour": 10, "minute": 41, "second": 35}
